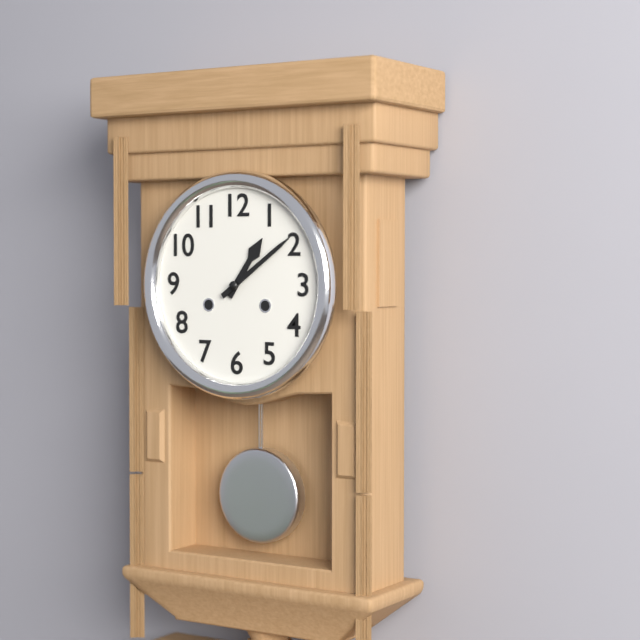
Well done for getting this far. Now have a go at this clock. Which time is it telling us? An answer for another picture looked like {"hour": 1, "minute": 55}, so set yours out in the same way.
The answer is {"hour": 1, "minute": 9}
